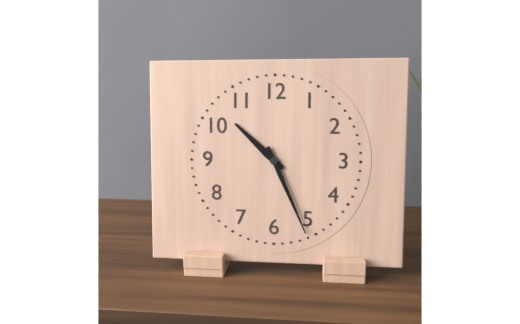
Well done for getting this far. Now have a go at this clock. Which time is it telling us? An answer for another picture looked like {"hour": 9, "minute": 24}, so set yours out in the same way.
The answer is {"hour": 10, "minute": 26}
